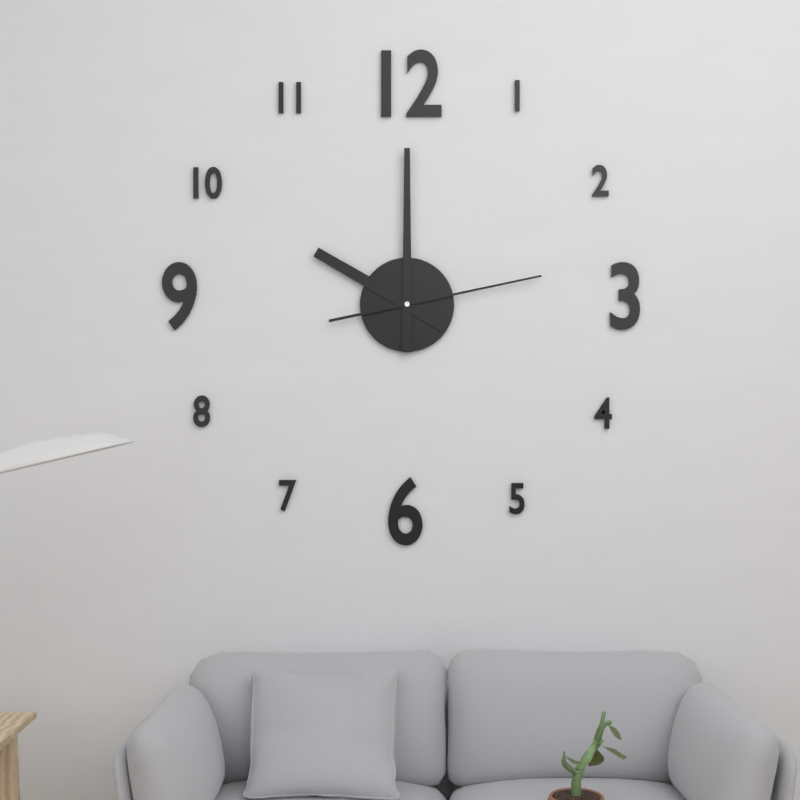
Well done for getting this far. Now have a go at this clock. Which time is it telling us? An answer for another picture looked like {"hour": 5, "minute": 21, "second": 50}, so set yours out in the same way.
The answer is {"hour": 10, "minute": 0, "second": 13}
